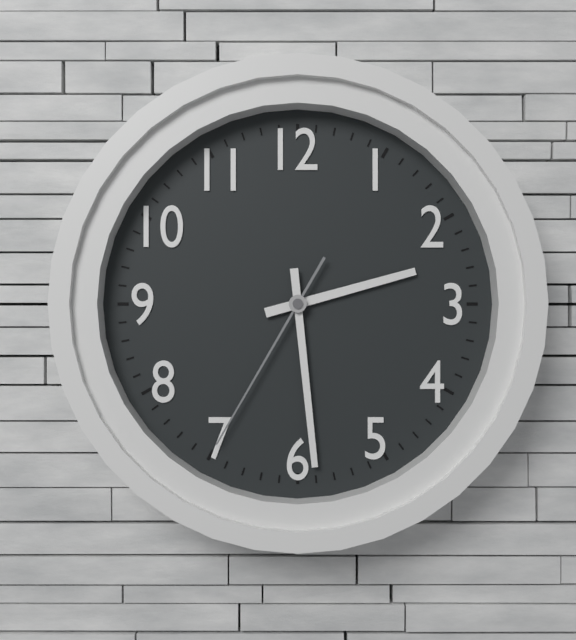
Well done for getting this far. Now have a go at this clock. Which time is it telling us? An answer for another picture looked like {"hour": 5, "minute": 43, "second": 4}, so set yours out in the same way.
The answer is {"hour": 2, "minute": 29, "second": 35}
